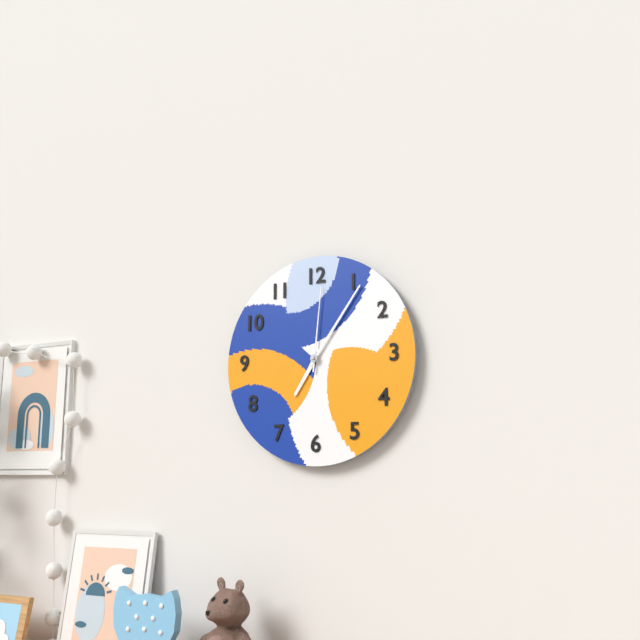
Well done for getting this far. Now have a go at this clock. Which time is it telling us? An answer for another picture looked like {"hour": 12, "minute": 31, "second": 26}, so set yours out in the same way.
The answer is {"hour": 7, "minute": 6, "second": 1}
